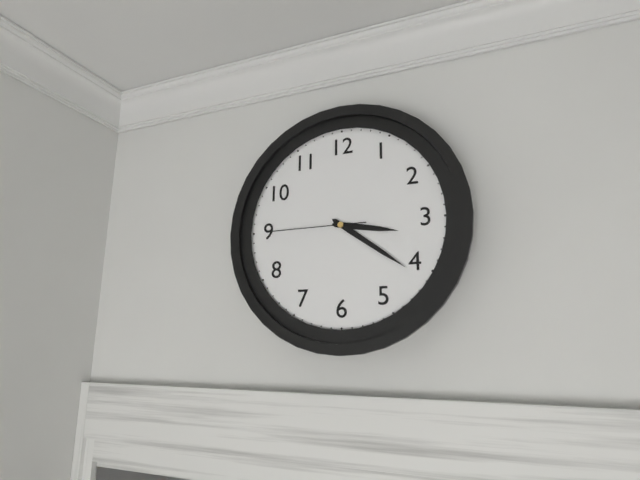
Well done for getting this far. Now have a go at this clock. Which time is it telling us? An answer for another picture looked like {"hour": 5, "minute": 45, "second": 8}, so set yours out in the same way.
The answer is {"hour": 3, "minute": 21, "second": 45}
